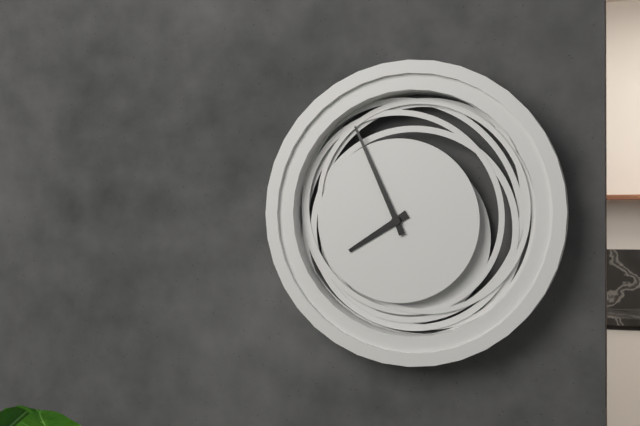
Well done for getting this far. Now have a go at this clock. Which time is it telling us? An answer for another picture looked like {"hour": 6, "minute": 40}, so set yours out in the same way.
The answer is {"hour": 7, "minute": 56}
